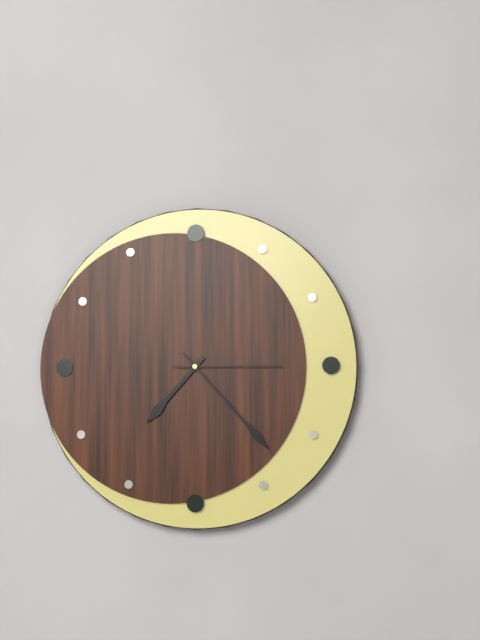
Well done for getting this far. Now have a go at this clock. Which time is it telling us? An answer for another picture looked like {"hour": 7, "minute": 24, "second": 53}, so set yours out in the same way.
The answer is {"hour": 7, "minute": 23, "second": 15}
